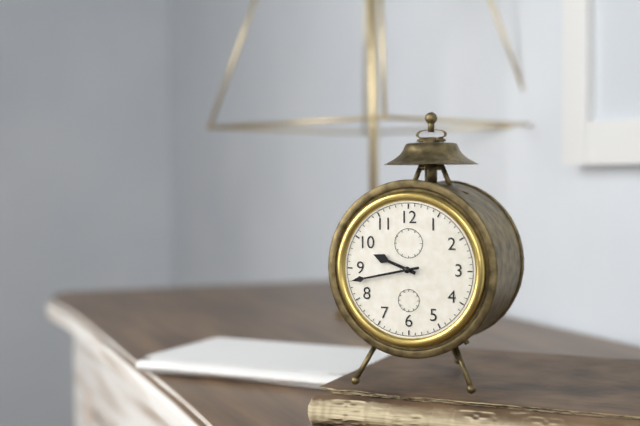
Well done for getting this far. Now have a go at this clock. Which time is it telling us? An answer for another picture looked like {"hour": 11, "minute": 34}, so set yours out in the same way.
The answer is {"hour": 9, "minute": 43}
